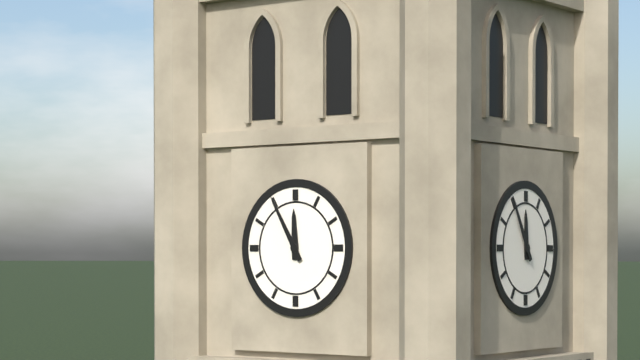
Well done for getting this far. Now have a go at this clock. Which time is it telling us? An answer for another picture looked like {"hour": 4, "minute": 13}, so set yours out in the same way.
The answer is {"hour": 11, "minute": 55}
